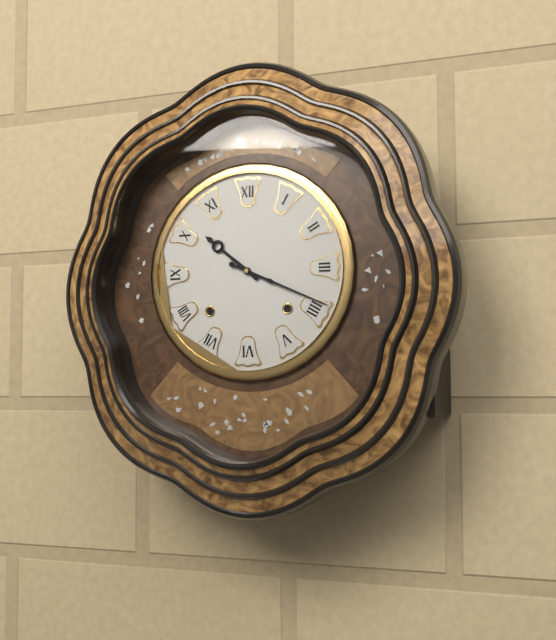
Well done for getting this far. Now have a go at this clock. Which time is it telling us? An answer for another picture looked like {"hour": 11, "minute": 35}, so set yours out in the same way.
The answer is {"hour": 10, "minute": 19}
